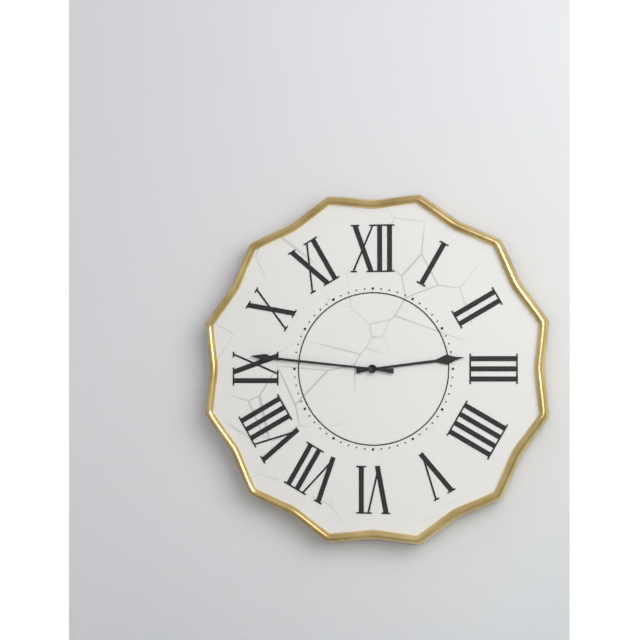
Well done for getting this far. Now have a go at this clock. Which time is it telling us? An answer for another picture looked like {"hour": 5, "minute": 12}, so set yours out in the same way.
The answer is {"hour": 2, "minute": 46}
